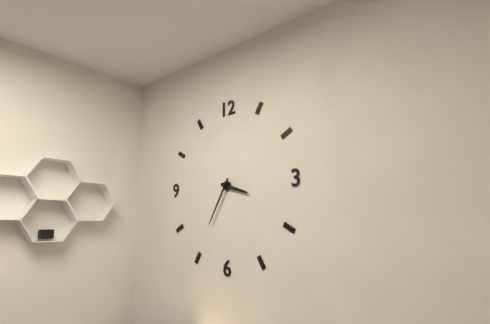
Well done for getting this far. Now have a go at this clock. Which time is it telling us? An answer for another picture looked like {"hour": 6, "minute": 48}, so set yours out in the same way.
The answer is {"hour": 3, "minute": 35}
